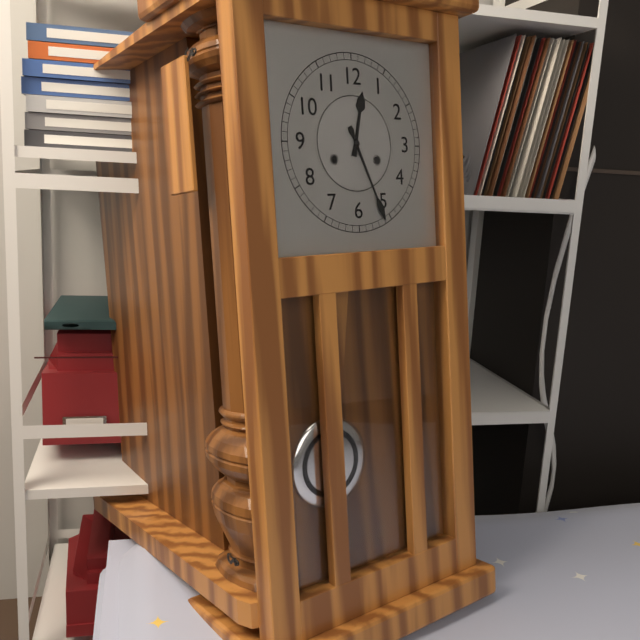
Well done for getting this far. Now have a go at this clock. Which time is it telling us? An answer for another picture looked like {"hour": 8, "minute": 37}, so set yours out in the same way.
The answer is {"hour": 12, "minute": 26}
